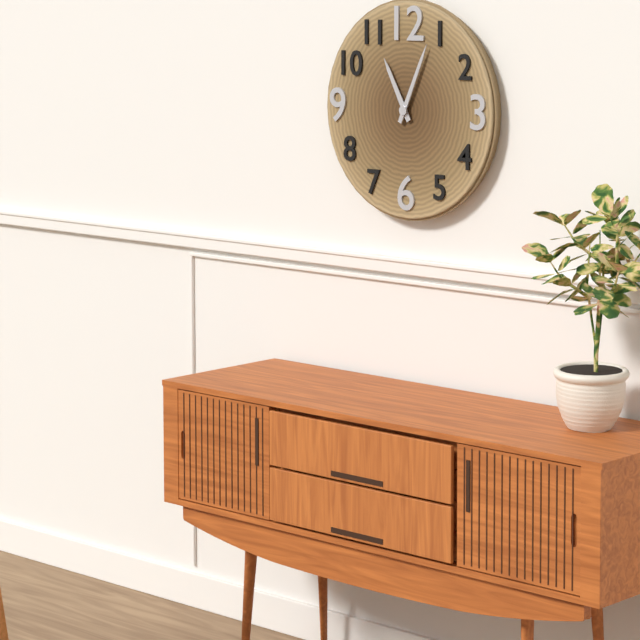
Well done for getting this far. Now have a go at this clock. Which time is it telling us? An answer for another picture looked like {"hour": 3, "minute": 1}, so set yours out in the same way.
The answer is {"hour": 11, "minute": 4}
